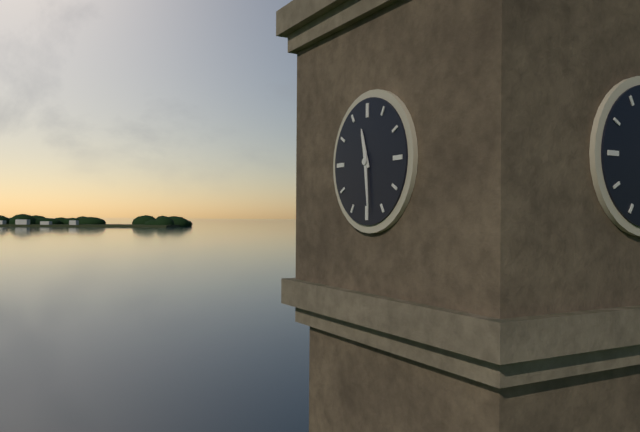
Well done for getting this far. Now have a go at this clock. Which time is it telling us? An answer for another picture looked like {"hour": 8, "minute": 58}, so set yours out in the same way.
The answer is {"hour": 11, "minute": 29}
